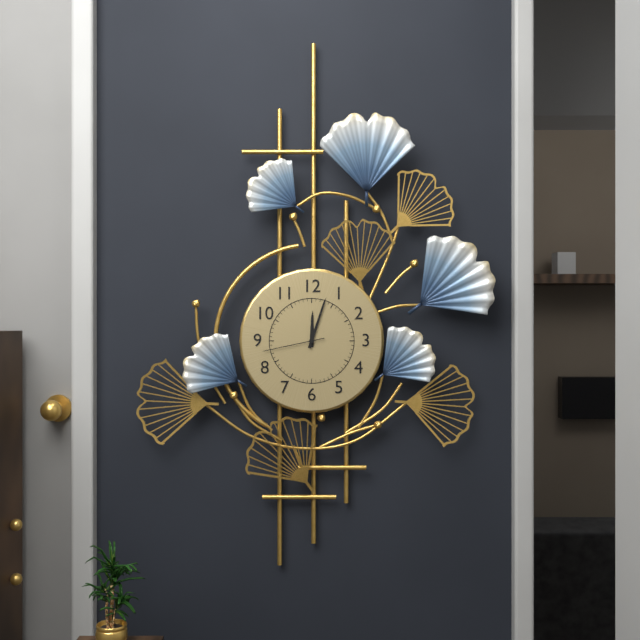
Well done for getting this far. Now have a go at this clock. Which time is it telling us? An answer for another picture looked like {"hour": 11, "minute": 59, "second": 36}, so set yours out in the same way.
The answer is {"hour": 12, "minute": 3, "second": 43}
